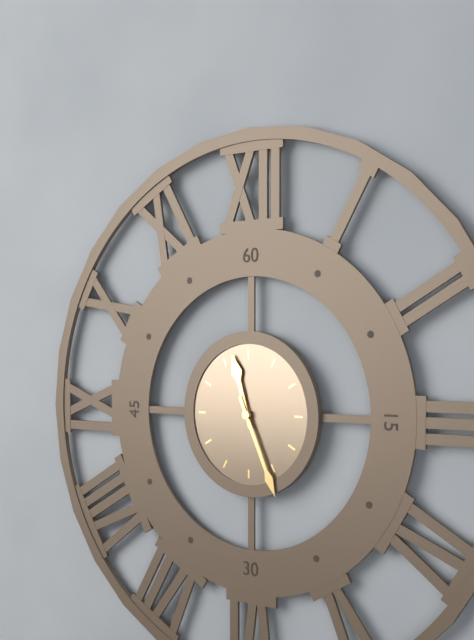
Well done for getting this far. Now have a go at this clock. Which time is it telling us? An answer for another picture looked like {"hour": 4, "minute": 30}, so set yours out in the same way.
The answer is {"hour": 11, "minute": 26}
